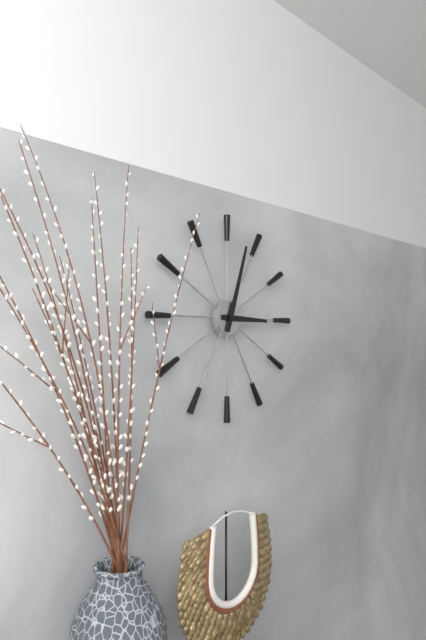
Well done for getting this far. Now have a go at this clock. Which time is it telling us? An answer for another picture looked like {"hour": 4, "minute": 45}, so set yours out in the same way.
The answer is {"hour": 3, "minute": 3}
